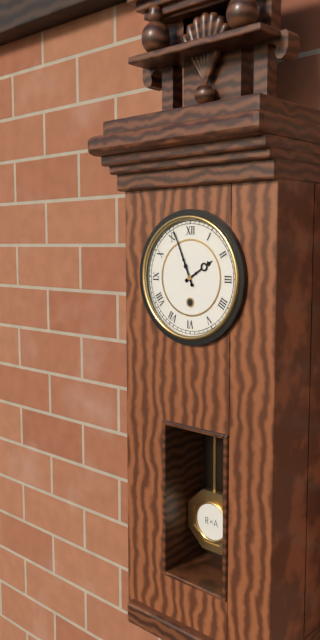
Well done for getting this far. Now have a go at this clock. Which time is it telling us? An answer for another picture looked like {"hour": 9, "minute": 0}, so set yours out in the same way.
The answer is {"hour": 1, "minute": 56}
